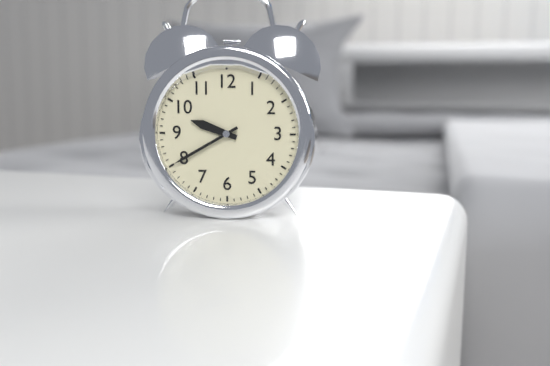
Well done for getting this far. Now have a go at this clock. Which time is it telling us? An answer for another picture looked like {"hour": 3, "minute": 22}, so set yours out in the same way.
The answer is {"hour": 9, "minute": 40}
